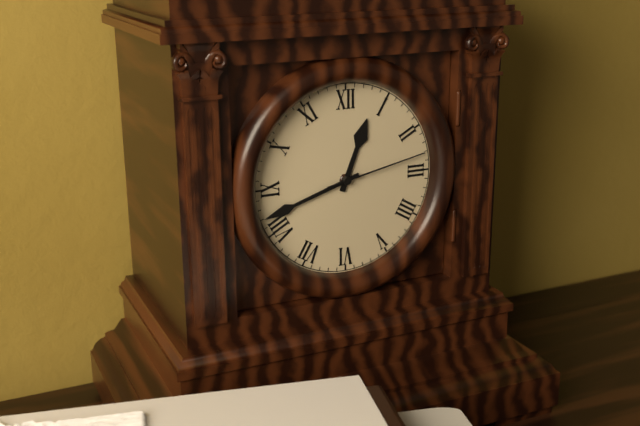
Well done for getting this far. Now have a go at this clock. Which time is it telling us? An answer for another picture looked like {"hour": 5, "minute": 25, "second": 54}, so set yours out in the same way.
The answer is {"hour": 12, "minute": 42, "second": 13}
